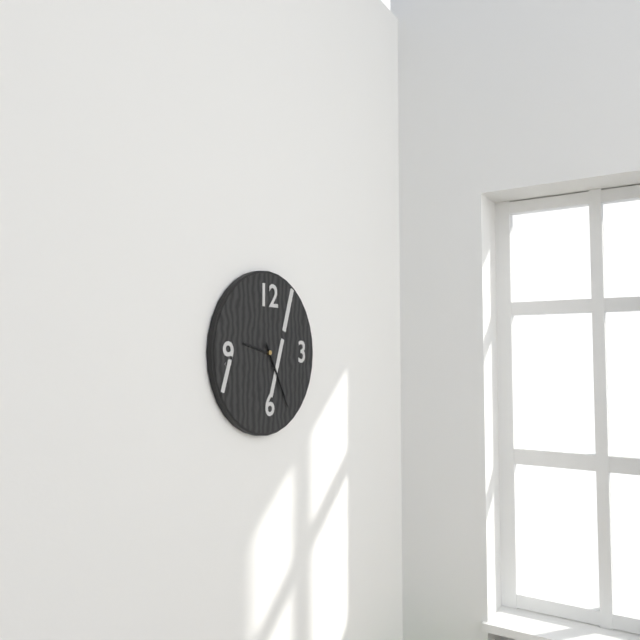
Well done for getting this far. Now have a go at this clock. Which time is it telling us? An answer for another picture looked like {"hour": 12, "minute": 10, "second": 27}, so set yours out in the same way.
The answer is {"hour": 9, "minute": 25, "second": 25}
